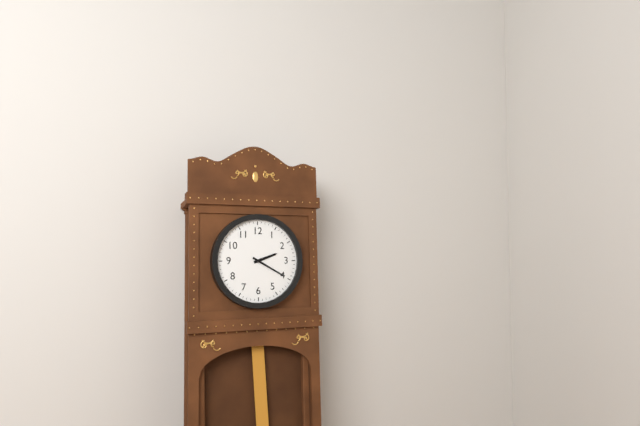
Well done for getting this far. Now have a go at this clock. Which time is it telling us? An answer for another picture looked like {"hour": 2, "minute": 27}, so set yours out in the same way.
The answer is {"hour": 2, "minute": 20}
